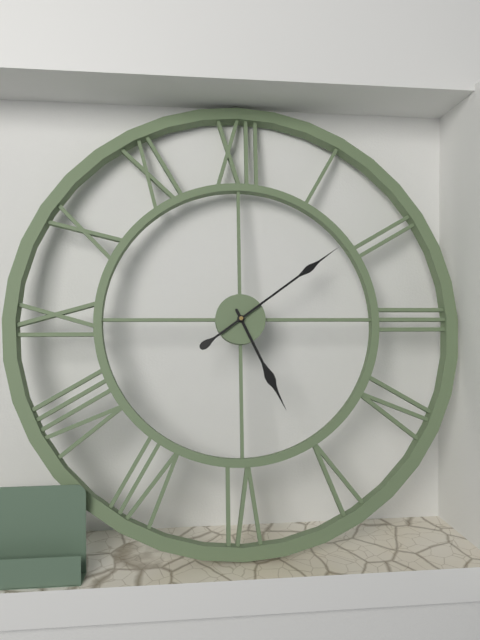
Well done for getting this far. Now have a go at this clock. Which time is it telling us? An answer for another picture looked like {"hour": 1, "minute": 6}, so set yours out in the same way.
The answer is {"hour": 5, "minute": 9}
